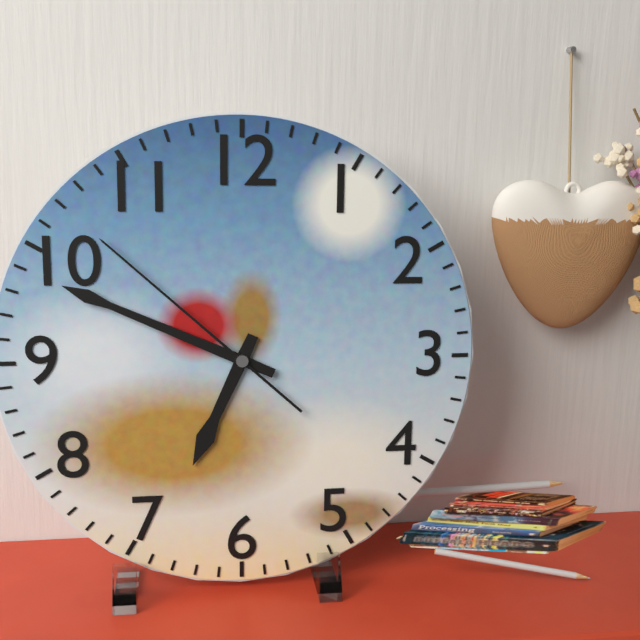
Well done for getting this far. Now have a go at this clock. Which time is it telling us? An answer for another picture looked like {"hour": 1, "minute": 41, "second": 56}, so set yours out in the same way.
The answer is {"hour": 6, "minute": 49, "second": 52}
